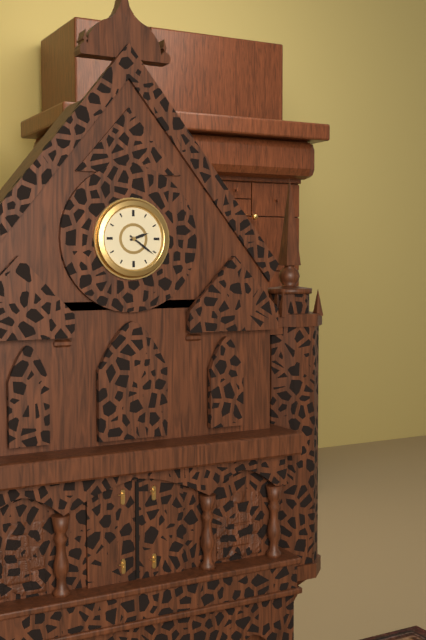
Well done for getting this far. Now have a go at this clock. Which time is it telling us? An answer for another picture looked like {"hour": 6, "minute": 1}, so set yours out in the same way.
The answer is {"hour": 2, "minute": 21}
